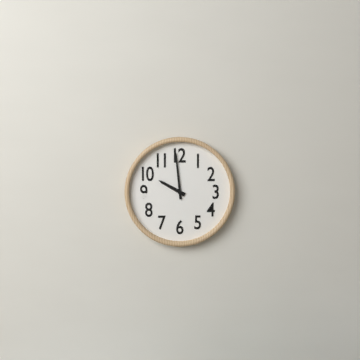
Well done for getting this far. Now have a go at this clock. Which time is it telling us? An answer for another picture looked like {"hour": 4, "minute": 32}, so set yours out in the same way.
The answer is {"hour": 9, "minute": 59}
